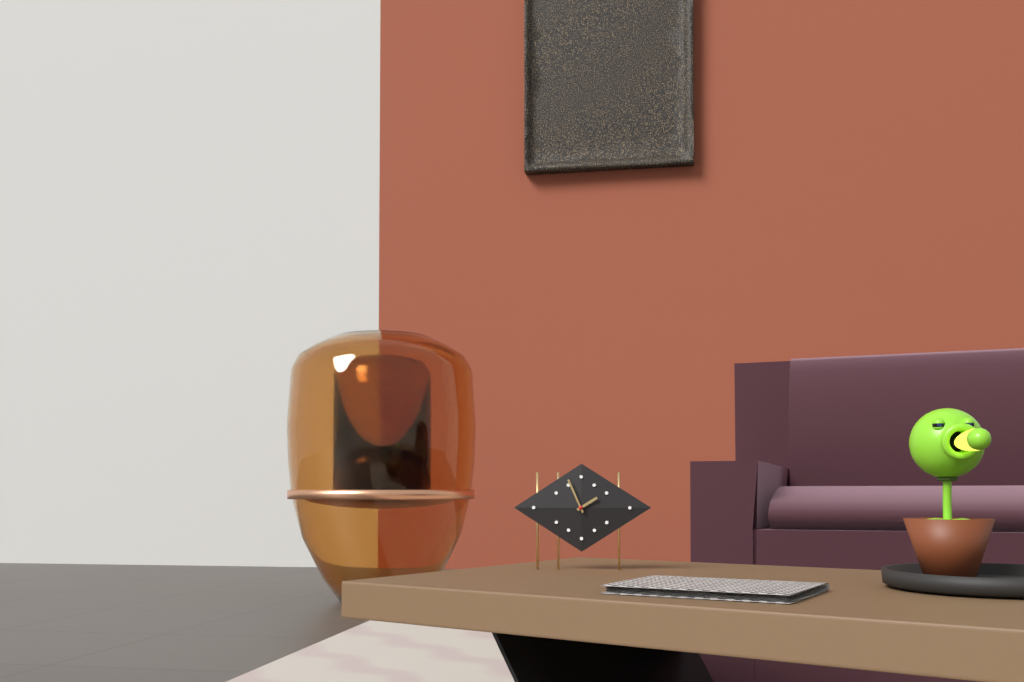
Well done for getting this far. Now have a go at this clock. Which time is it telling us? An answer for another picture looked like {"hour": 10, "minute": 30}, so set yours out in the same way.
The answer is {"hour": 1, "minute": 56}
